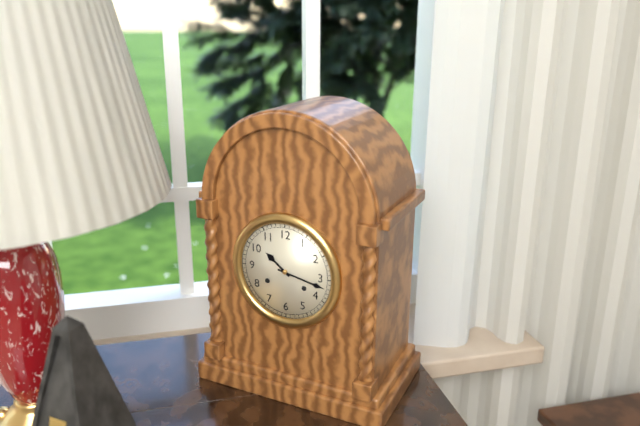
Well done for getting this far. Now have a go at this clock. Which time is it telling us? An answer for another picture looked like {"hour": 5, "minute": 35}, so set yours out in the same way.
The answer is {"hour": 10, "minute": 17}
